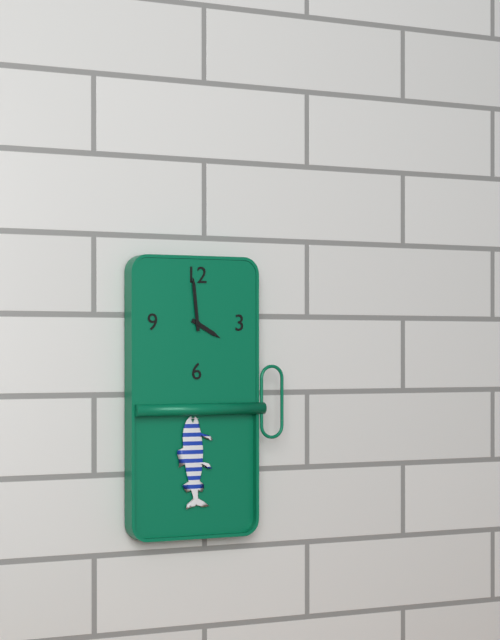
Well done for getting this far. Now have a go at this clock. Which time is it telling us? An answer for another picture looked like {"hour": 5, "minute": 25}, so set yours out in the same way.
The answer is {"hour": 3, "minute": 59}
